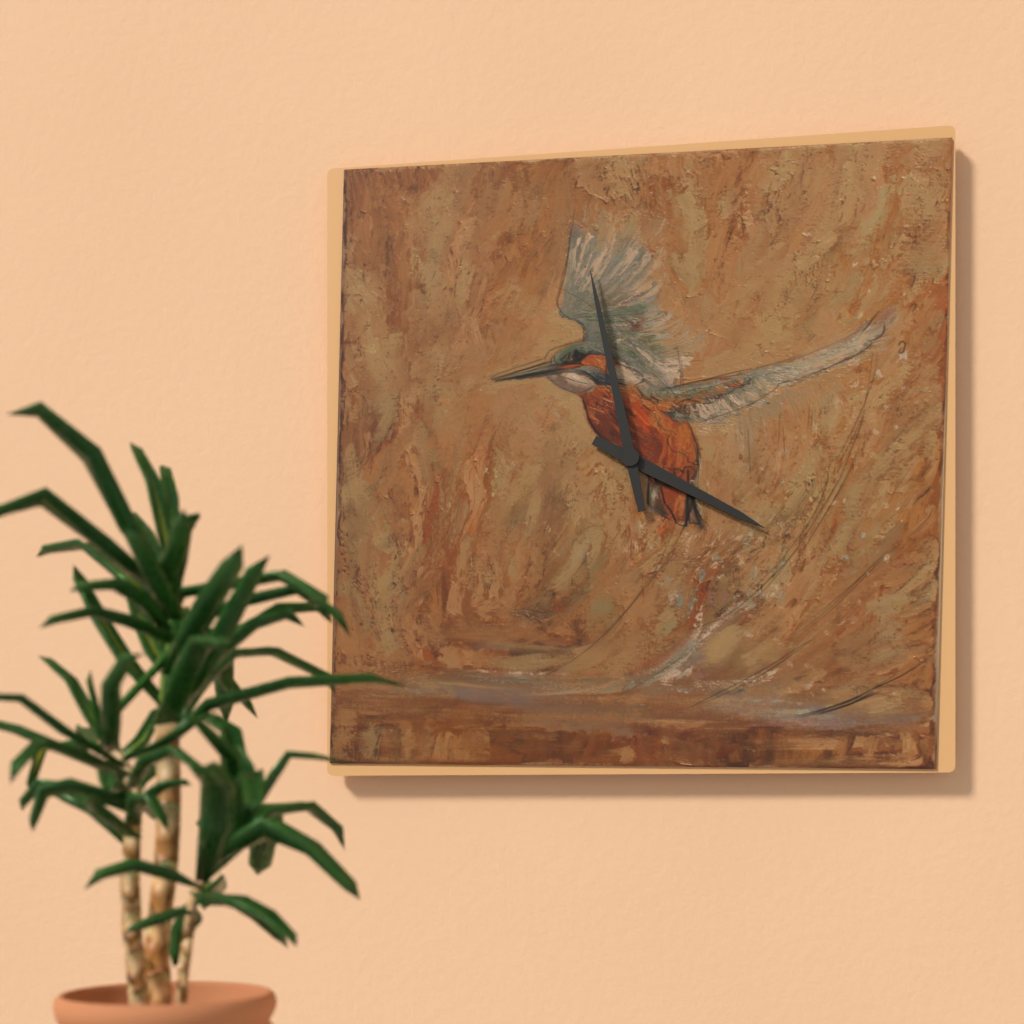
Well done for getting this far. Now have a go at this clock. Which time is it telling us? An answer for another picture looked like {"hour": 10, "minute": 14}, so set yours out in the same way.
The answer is {"hour": 3, "minute": 58}
